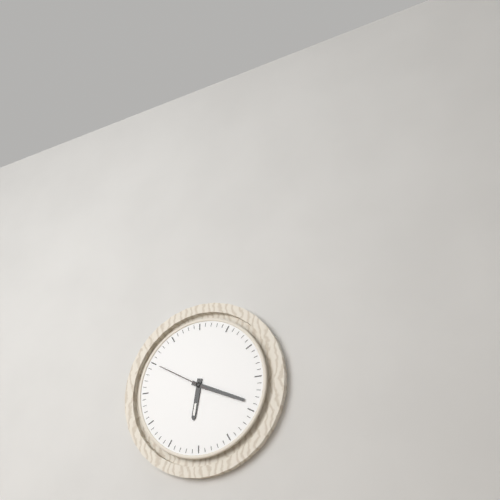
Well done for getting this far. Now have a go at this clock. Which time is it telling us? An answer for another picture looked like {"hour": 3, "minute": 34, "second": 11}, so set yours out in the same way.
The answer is {"hour": 6, "minute": 19, "second": 50}
